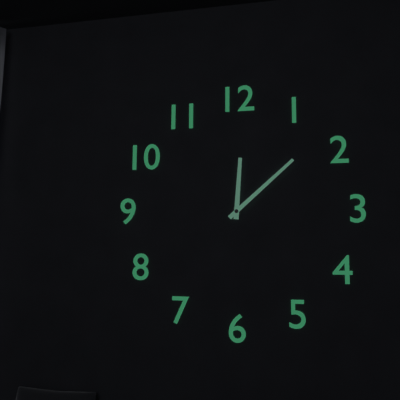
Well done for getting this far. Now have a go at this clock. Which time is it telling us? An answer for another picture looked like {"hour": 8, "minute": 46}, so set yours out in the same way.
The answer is {"hour": 12, "minute": 8}
